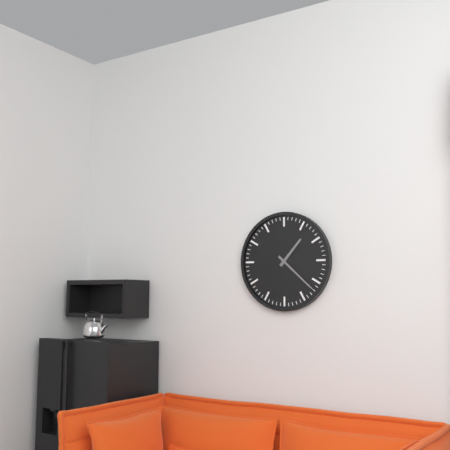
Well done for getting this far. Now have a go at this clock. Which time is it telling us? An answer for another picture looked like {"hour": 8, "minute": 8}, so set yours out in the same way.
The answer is {"hour": 1, "minute": 22}
